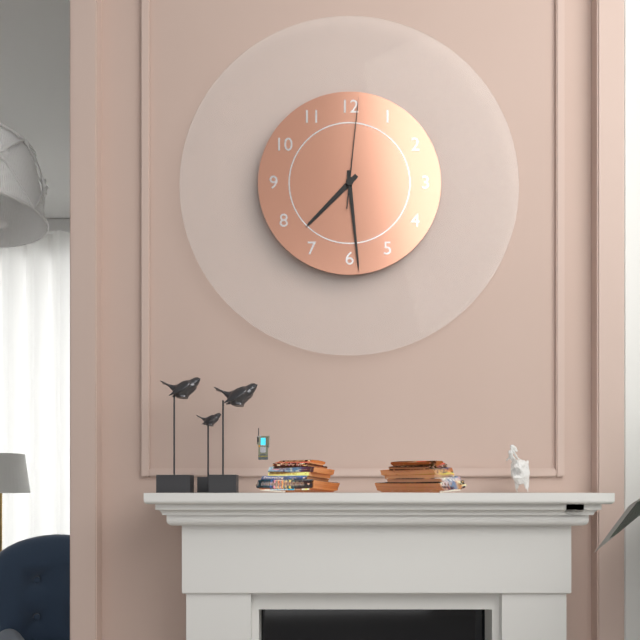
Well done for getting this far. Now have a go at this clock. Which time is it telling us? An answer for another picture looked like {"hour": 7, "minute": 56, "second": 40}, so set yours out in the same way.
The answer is {"hour": 7, "minute": 29, "second": 1}
